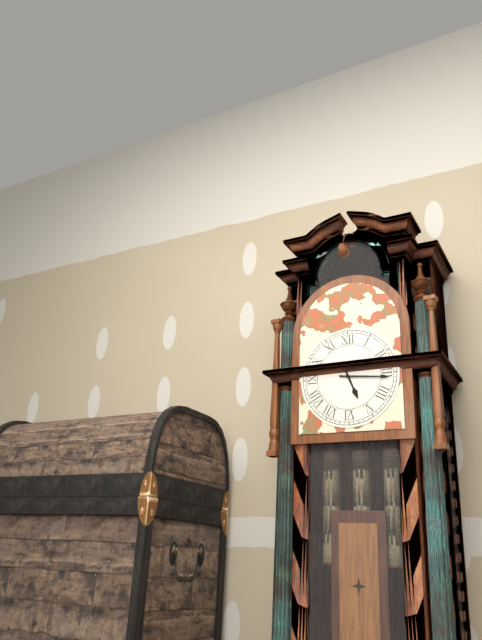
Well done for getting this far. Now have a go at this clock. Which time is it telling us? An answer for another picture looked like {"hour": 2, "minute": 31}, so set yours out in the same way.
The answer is {"hour": 5, "minute": 16}
